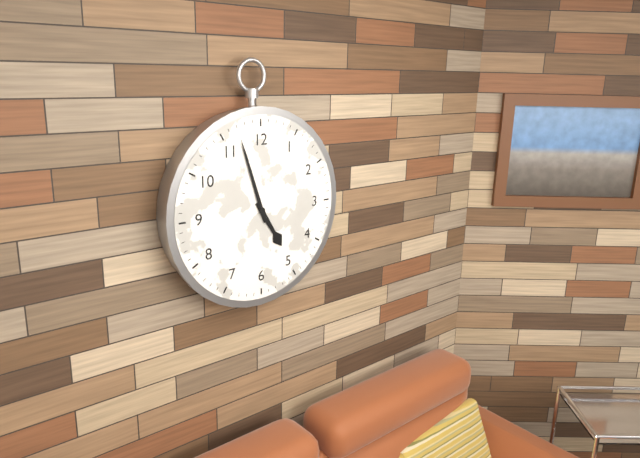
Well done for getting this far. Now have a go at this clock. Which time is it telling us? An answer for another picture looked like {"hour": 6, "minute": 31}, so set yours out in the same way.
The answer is {"hour": 4, "minute": 57}
